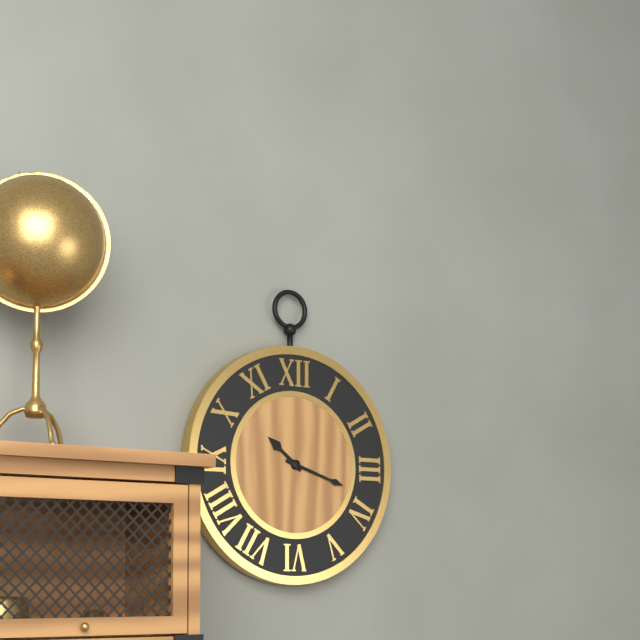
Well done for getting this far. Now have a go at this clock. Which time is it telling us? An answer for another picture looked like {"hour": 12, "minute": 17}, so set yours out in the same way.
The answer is {"hour": 10, "minute": 18}
